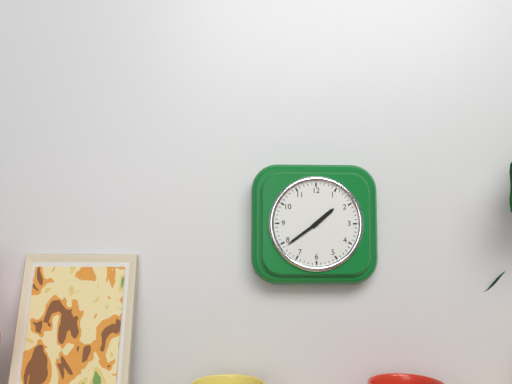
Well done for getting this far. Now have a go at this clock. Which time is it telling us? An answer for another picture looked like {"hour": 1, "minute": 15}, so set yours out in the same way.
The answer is {"hour": 1, "minute": 39}
